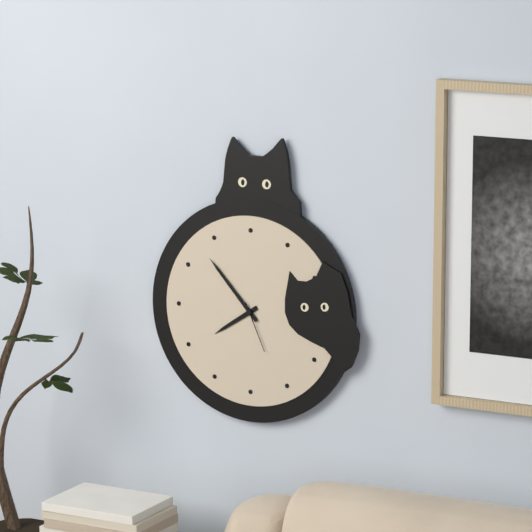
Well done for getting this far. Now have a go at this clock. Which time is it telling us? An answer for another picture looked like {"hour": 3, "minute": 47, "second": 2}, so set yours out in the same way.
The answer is {"hour": 7, "minute": 53, "second": 26}
